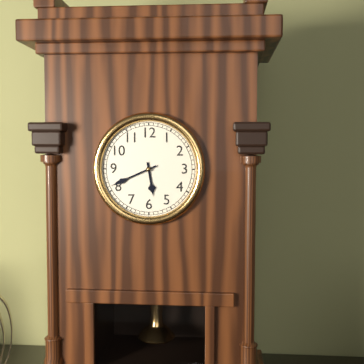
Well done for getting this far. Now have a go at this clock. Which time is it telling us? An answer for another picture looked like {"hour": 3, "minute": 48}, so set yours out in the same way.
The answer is {"hour": 5, "minute": 41}
